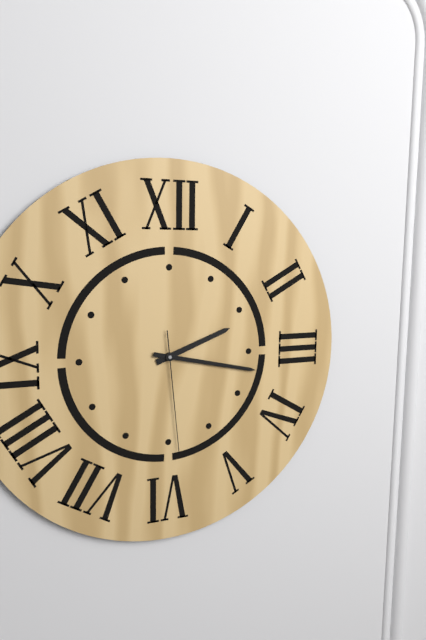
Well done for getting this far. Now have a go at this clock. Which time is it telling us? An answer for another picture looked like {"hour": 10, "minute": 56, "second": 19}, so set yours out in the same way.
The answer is {"hour": 2, "minute": 17, "second": 29}
